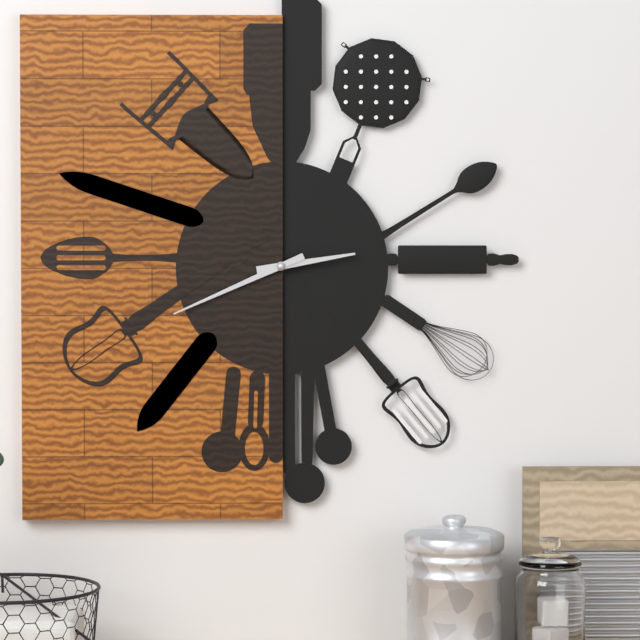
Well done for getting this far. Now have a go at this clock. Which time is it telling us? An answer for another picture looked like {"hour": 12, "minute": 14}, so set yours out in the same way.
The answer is {"hour": 2, "minute": 41}
